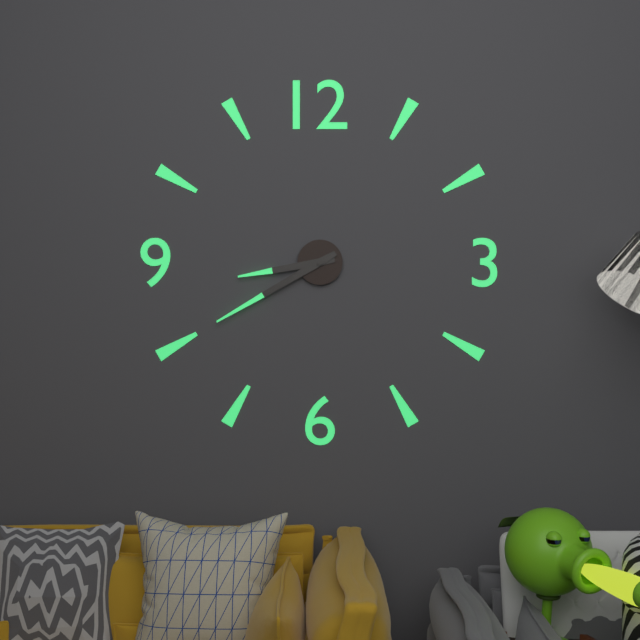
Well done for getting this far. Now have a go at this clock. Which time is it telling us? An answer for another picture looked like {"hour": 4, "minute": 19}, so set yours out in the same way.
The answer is {"hour": 8, "minute": 40}
